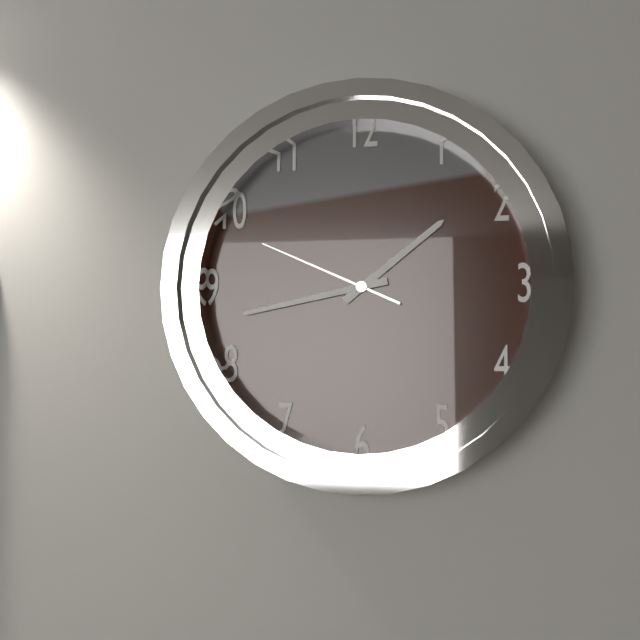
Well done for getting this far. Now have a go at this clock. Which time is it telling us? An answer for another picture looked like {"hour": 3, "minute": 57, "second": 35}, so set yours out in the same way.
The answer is {"hour": 1, "minute": 43, "second": 49}
